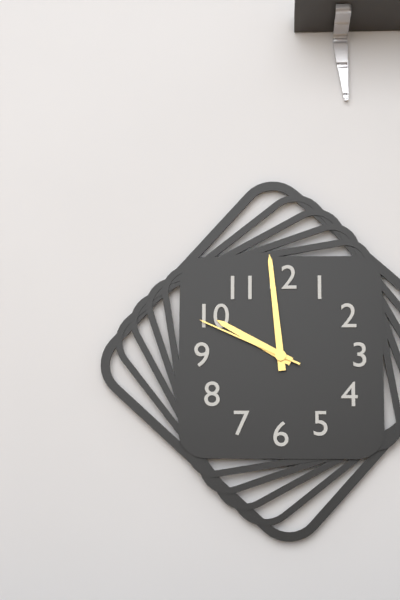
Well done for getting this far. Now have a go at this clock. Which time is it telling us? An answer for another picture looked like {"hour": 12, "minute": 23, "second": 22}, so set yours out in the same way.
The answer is {"hour": 9, "minute": 59, "second": 49}
